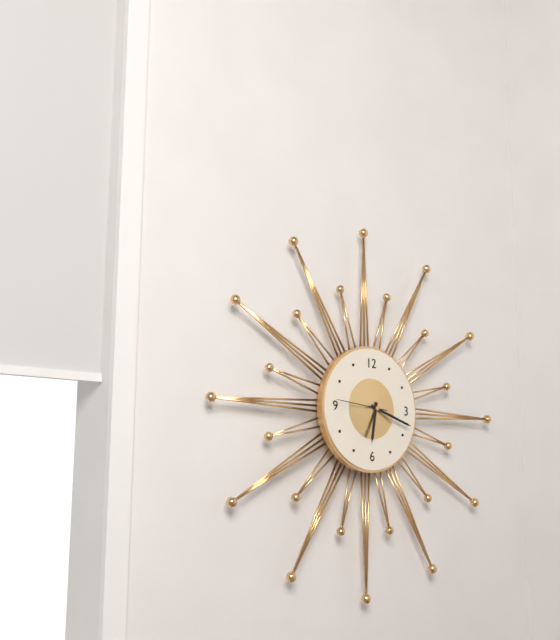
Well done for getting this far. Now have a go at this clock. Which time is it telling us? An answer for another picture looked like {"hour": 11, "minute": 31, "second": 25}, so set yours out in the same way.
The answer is {"hour": 6, "minute": 18, "second": 46}
